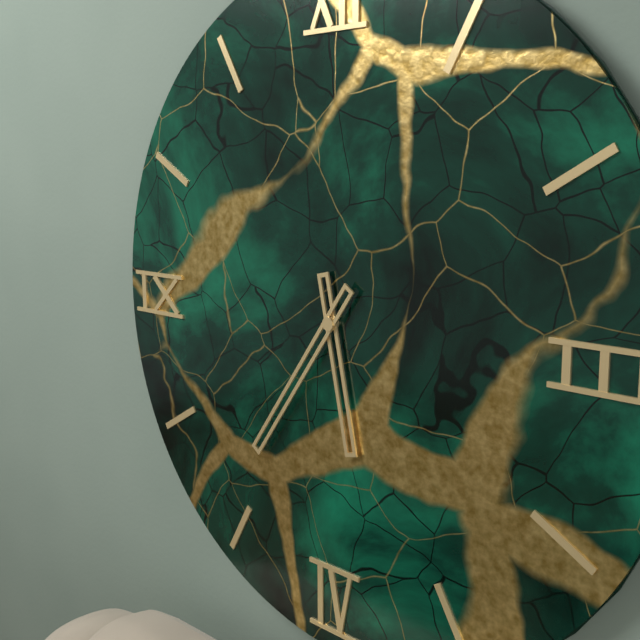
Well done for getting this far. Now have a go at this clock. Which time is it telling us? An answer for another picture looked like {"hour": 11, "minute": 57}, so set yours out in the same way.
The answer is {"hour": 5, "minute": 36}
